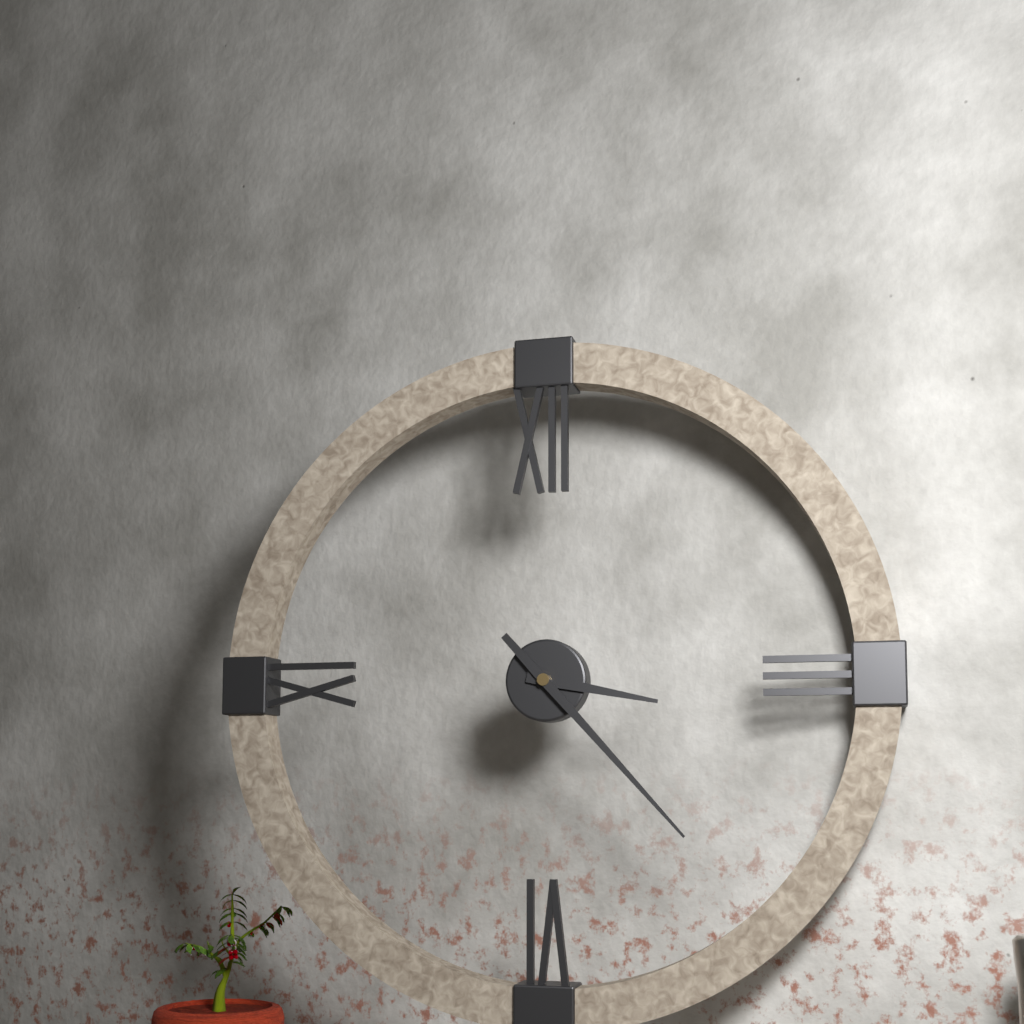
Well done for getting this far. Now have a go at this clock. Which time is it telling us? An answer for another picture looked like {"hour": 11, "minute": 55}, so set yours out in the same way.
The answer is {"hour": 3, "minute": 23}
